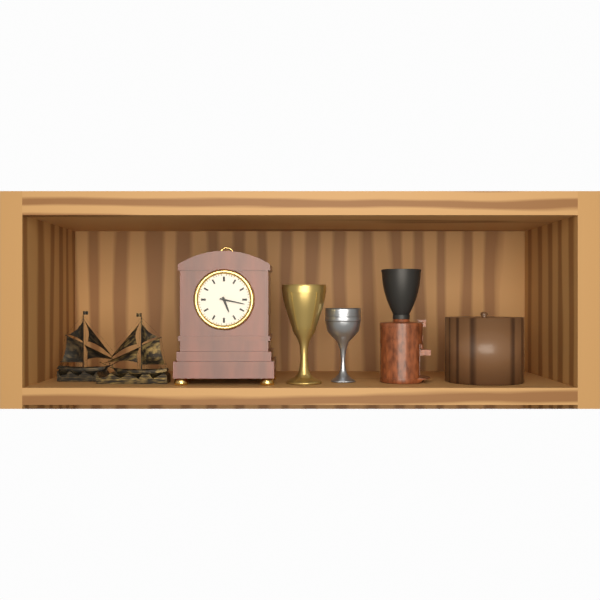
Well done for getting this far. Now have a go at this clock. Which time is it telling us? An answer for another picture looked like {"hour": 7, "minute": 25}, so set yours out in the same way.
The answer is {"hour": 5, "minute": 17}
